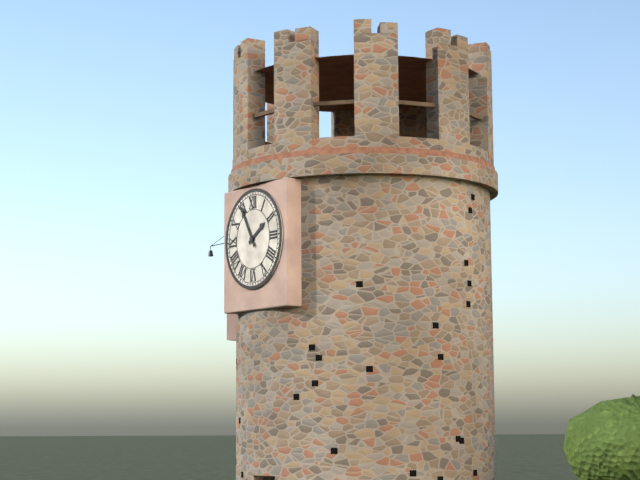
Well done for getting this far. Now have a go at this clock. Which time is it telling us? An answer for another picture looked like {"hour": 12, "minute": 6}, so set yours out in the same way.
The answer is {"hour": 1, "minute": 55}
